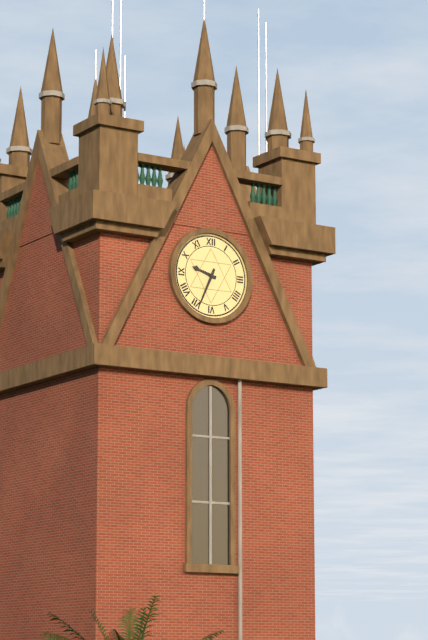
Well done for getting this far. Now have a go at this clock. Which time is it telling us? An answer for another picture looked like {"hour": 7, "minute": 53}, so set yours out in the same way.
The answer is {"hour": 9, "minute": 34}
